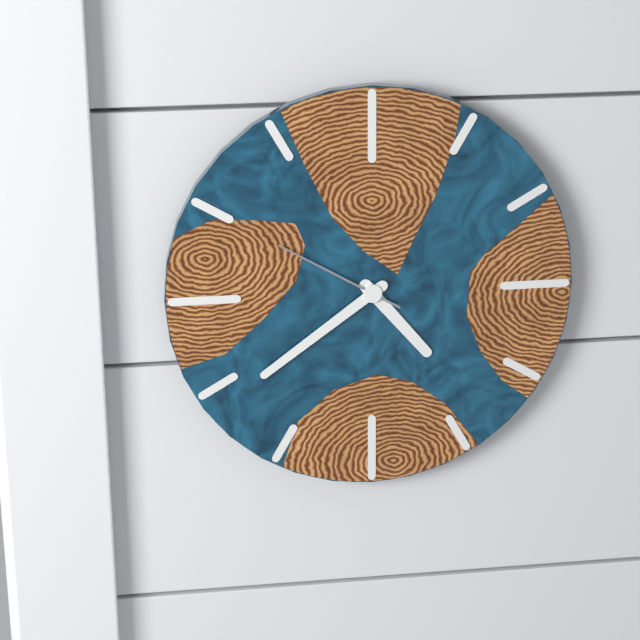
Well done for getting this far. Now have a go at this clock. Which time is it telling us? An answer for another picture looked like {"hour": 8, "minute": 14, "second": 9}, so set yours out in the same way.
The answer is {"hour": 4, "minute": 39, "second": 50}
